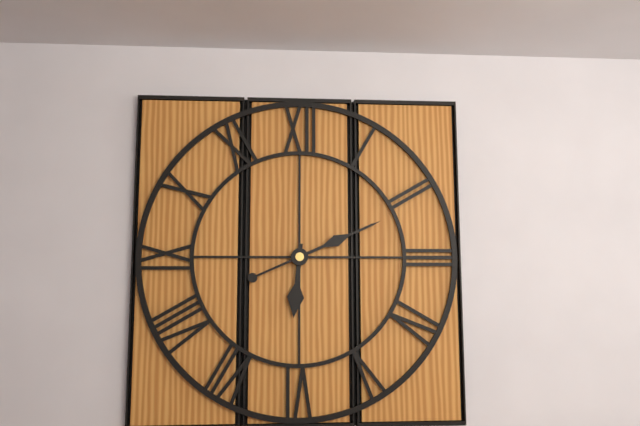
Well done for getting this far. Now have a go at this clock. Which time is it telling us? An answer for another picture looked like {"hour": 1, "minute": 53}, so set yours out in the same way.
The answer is {"hour": 6, "minute": 11}
